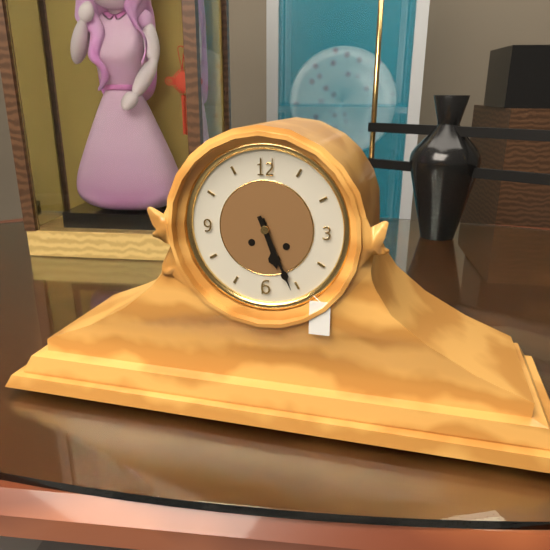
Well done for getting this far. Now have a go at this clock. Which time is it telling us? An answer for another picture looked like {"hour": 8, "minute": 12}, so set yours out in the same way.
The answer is {"hour": 5, "minute": 26}
